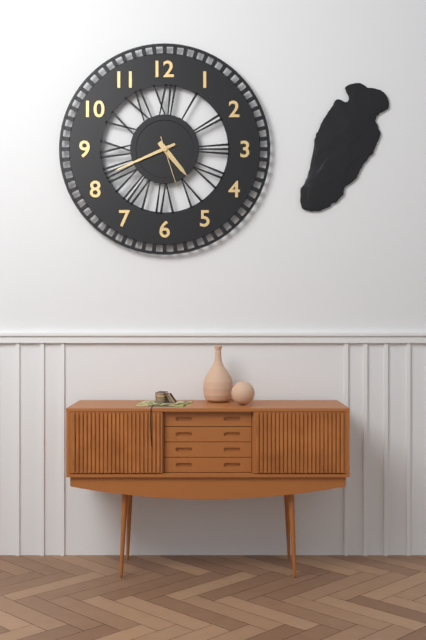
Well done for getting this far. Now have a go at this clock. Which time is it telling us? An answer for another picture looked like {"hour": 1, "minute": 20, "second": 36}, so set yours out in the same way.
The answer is {"hour": 4, "minute": 41, "second": 27}
